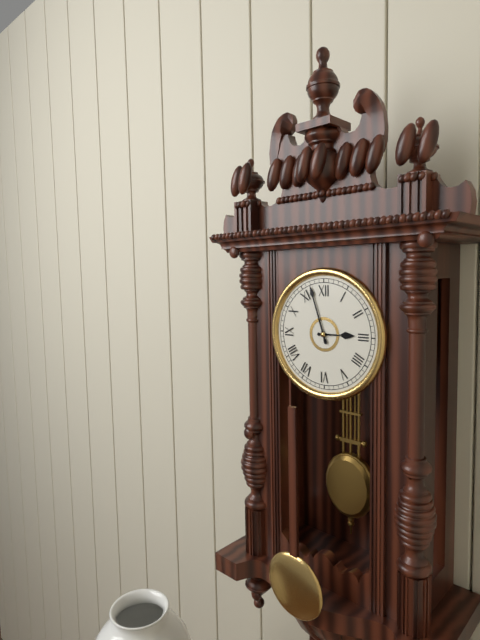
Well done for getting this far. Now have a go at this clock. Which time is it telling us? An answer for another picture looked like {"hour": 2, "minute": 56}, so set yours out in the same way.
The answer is {"hour": 2, "minute": 57}
